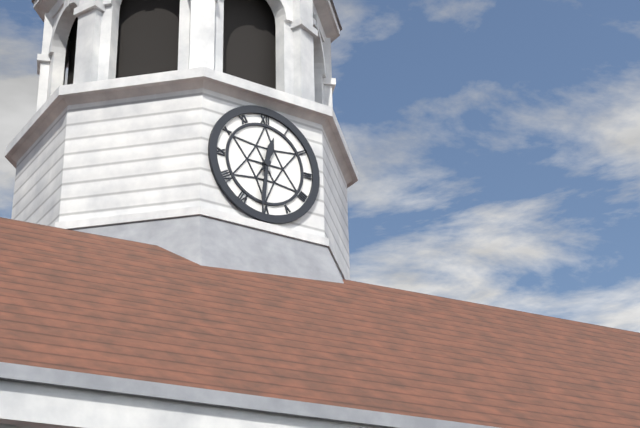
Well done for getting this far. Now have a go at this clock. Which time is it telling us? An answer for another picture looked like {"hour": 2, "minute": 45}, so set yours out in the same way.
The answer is {"hour": 12, "minute": 31}
